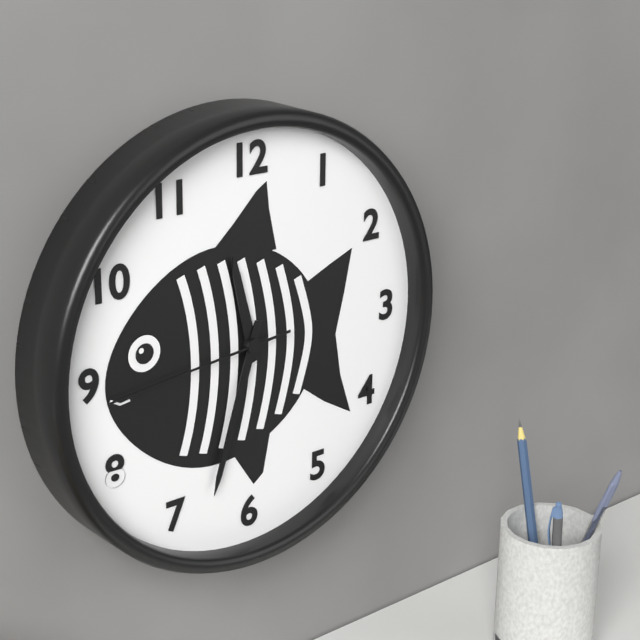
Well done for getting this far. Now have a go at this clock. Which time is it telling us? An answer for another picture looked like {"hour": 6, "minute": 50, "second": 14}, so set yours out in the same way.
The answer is {"hour": 11, "minute": 33, "second": 44}
